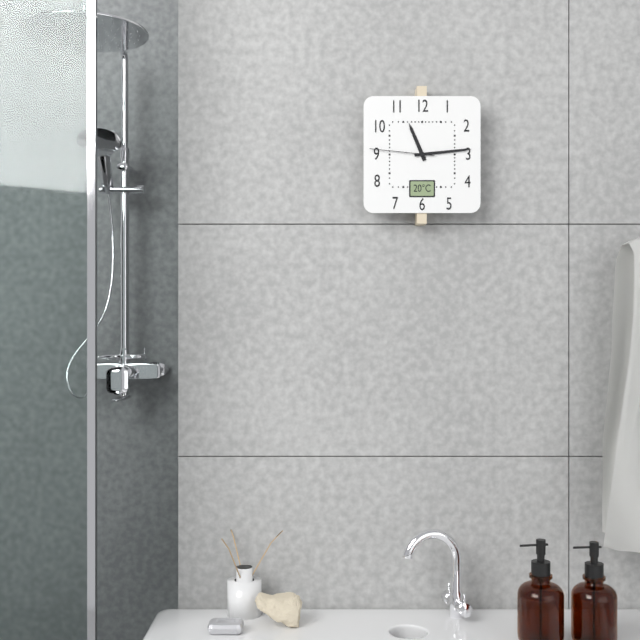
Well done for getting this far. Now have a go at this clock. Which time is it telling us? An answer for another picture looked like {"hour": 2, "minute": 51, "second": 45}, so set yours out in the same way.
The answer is {"hour": 11, "minute": 14, "second": 46}
